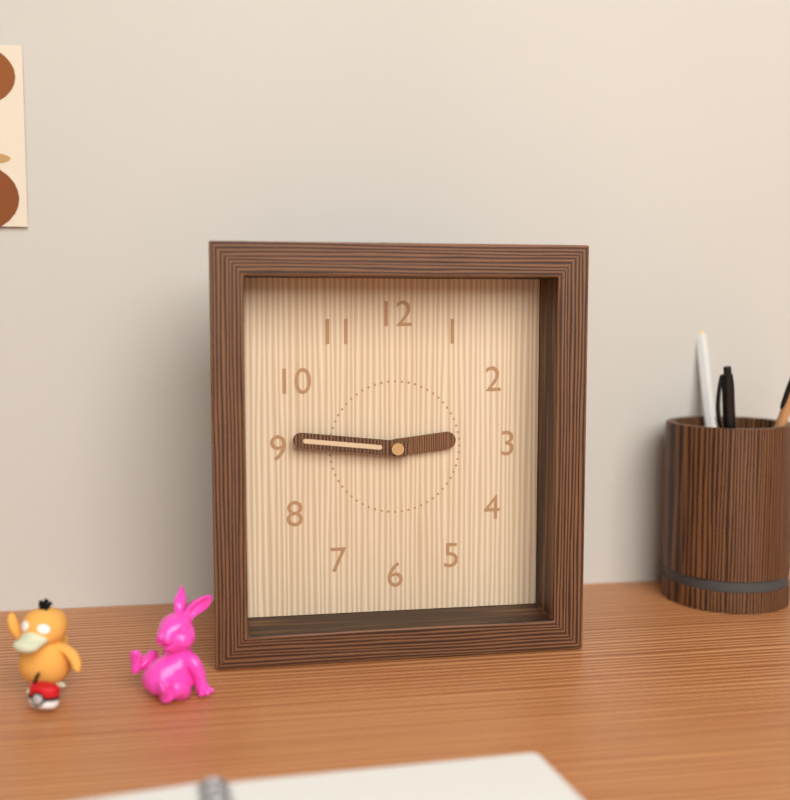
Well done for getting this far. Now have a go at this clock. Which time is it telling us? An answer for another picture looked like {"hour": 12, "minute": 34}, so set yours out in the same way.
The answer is {"hour": 2, "minute": 46}
